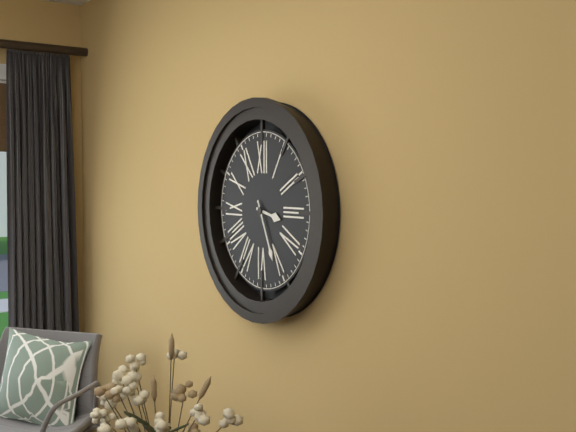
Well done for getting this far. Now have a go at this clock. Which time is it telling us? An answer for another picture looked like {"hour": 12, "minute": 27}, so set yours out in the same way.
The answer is {"hour": 3, "minute": 26}
